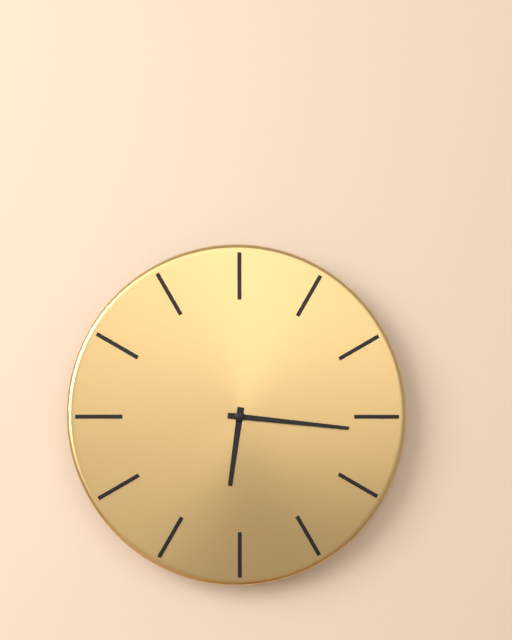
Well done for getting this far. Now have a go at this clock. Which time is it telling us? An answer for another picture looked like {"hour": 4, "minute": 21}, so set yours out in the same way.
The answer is {"hour": 6, "minute": 16}
